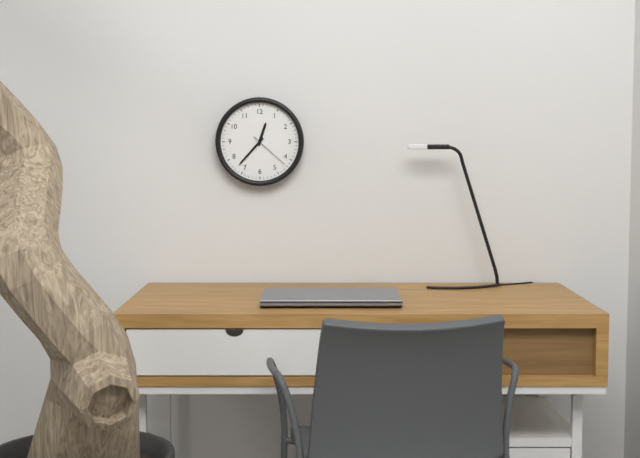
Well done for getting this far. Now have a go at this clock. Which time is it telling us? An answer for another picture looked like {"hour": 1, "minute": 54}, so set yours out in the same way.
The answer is {"hour": 12, "minute": 37}
